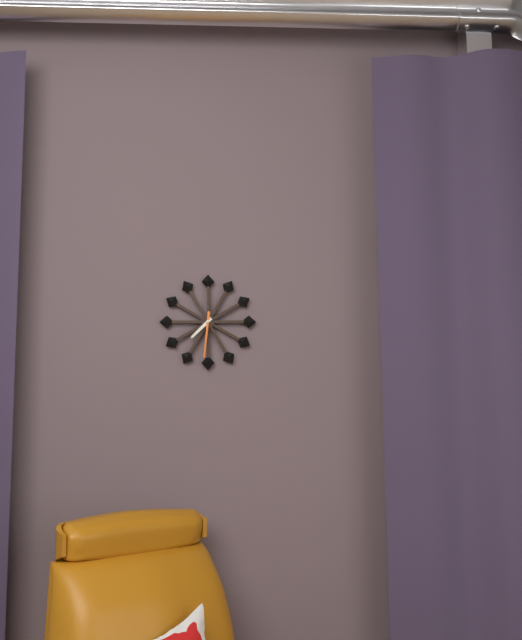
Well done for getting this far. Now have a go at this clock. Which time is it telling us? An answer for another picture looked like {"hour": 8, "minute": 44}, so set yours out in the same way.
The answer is {"hour": 7, "minute": 31}
